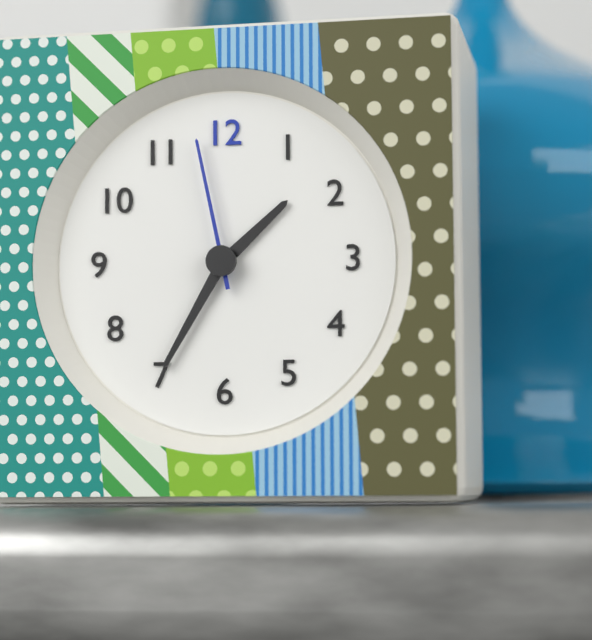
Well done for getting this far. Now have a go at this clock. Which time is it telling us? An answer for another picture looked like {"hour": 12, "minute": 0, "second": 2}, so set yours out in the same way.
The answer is {"hour": 1, "minute": 35, "second": 58}
